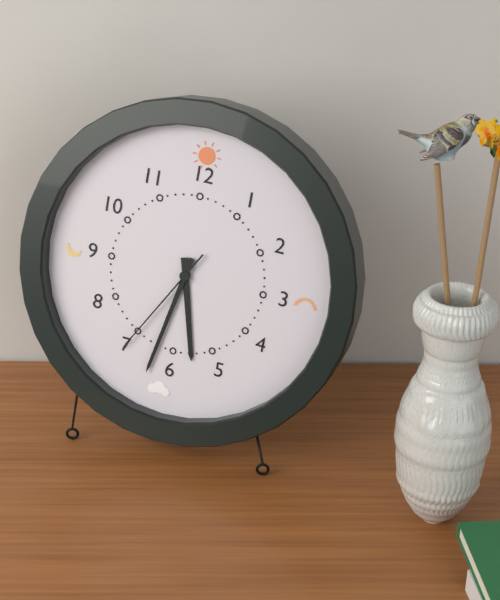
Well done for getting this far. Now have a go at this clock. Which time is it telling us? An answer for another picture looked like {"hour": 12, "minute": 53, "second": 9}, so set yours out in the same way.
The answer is {"hour": 5, "minute": 32, "second": 35}
